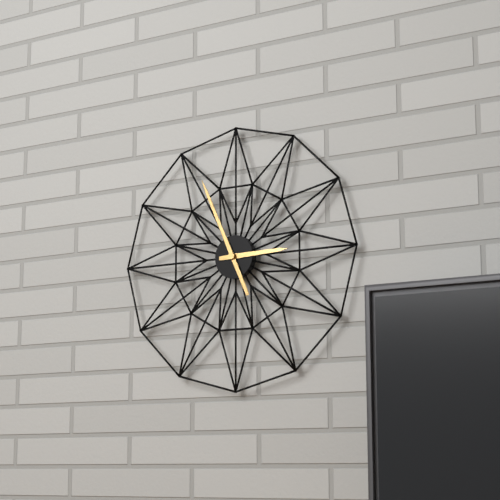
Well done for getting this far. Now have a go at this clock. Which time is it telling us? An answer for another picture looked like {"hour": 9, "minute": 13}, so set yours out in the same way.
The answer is {"hour": 2, "minute": 56}
